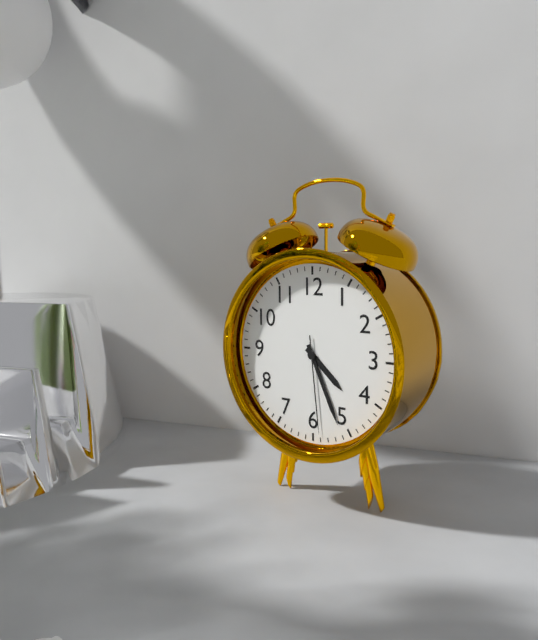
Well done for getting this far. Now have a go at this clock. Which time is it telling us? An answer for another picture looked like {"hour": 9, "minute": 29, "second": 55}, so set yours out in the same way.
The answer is {"hour": 4, "minute": 26, "second": 29}
